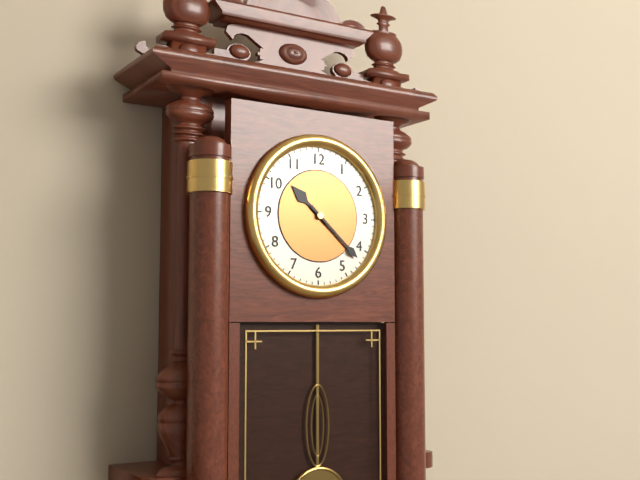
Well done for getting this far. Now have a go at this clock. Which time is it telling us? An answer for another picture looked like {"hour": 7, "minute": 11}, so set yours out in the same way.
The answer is {"hour": 10, "minute": 22}
